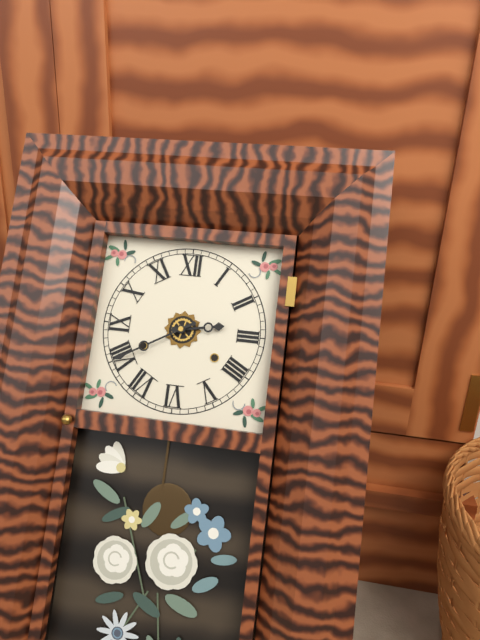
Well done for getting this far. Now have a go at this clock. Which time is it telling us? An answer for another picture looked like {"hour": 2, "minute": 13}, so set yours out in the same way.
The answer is {"hour": 2, "minute": 40}
